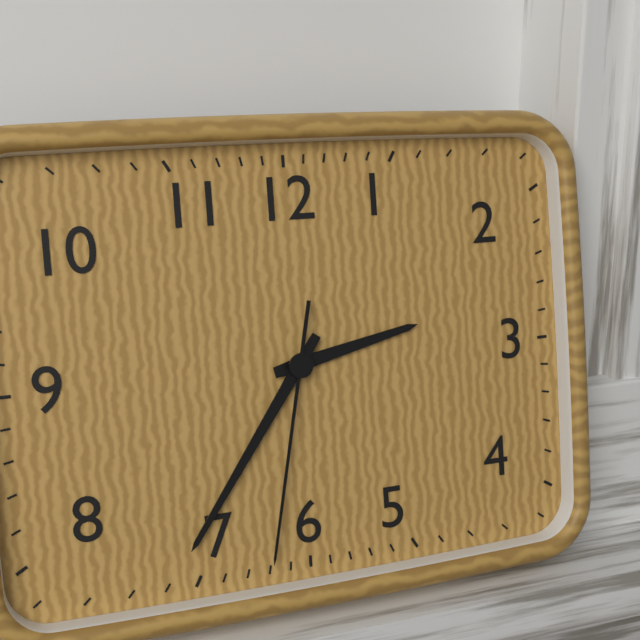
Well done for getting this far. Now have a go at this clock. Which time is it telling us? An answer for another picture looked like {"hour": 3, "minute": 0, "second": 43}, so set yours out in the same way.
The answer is {"hour": 2, "minute": 36, "second": 32}
